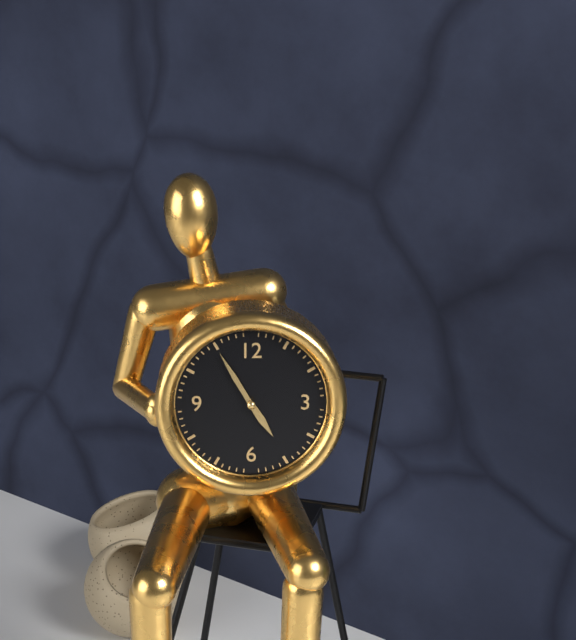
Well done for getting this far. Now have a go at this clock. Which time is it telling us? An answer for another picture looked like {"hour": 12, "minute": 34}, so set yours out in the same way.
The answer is {"hour": 4, "minute": 55}
